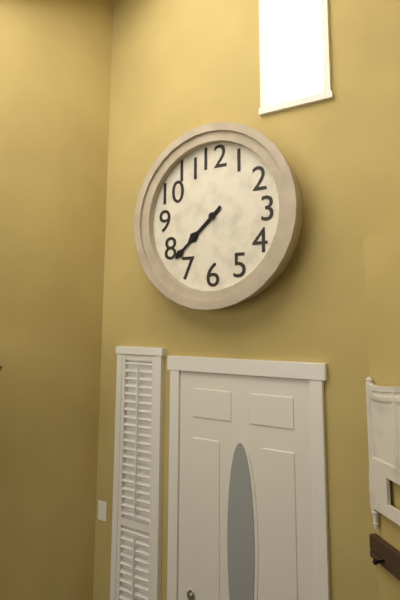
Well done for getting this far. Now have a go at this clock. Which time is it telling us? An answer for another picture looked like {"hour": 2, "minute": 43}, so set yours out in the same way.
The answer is {"hour": 7, "minute": 38}
